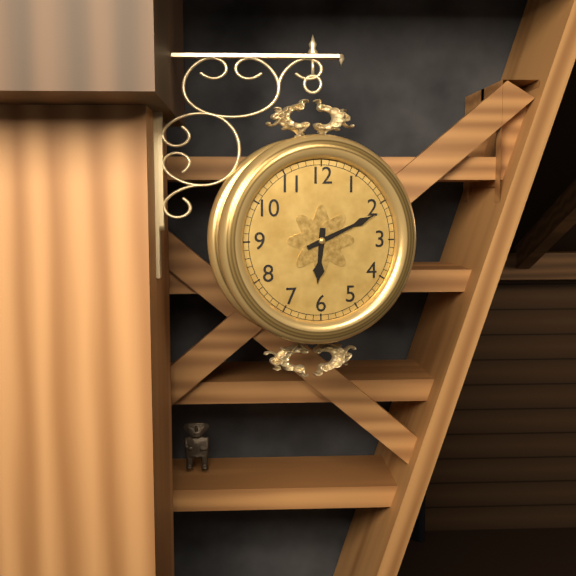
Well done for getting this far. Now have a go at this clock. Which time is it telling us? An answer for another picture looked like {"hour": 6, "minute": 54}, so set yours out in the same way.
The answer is {"hour": 6, "minute": 11}
